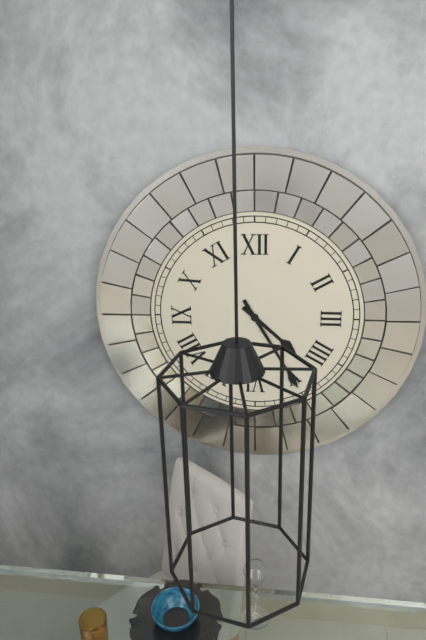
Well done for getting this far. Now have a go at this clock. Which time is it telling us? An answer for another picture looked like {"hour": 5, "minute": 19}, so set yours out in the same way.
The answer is {"hour": 4, "minute": 25}
